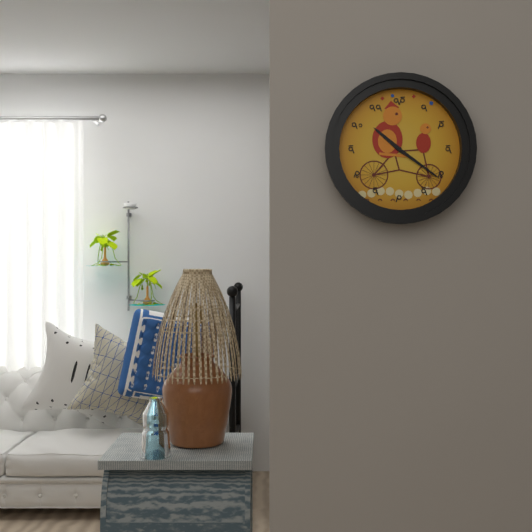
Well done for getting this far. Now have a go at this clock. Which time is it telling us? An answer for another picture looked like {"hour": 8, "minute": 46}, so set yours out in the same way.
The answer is {"hour": 10, "minute": 21}
